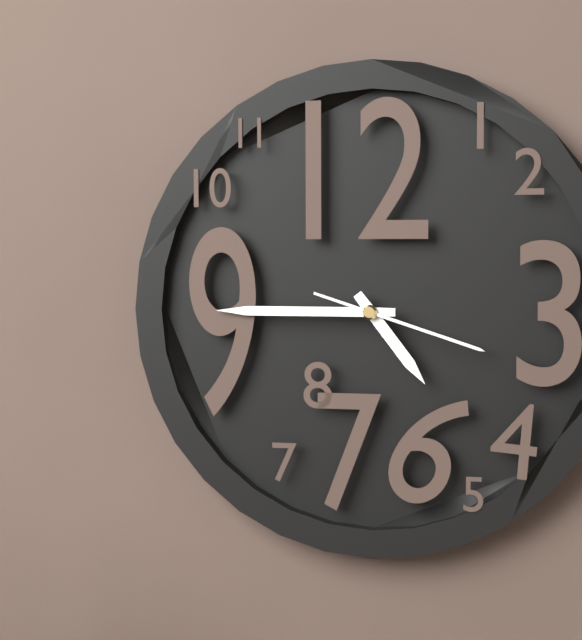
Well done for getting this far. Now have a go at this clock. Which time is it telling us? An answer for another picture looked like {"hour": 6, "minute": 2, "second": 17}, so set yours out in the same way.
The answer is {"hour": 4, "minute": 45, "second": 18}
